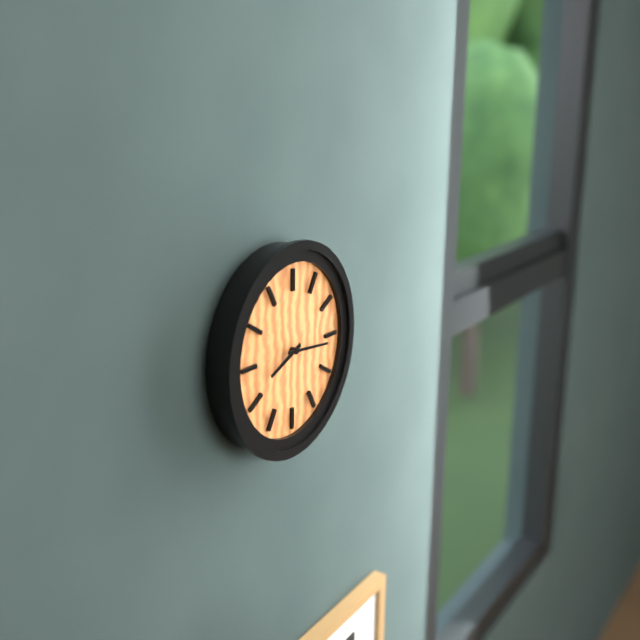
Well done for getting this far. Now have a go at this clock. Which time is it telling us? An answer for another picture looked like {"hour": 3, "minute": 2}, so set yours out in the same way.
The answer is {"hour": 8, "minute": 16}
